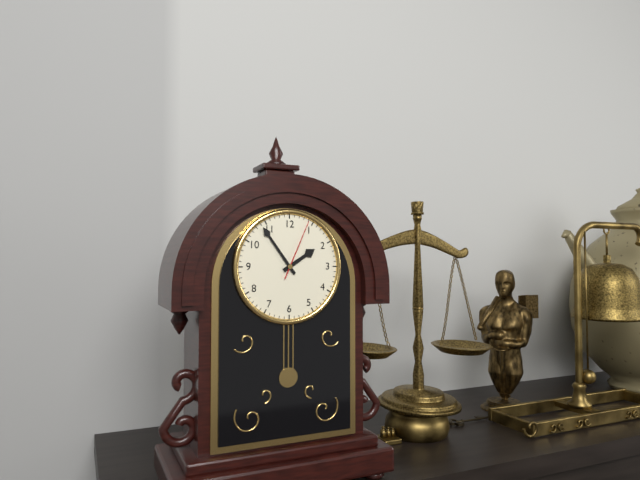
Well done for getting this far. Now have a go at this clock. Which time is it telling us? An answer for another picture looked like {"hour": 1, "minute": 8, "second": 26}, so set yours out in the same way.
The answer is {"hour": 1, "minute": 54, "second": 4}
